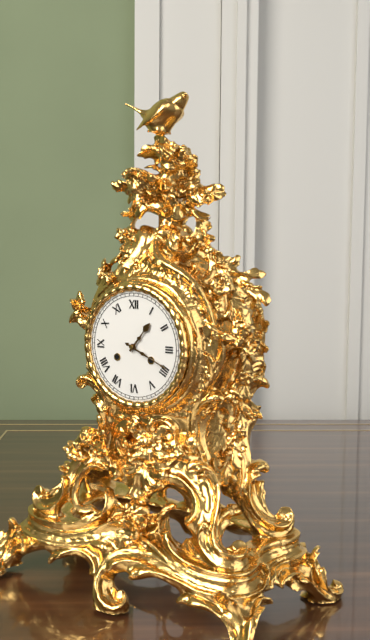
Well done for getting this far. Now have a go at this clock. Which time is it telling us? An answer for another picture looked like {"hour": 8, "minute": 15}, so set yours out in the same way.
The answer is {"hour": 1, "minute": 19}
